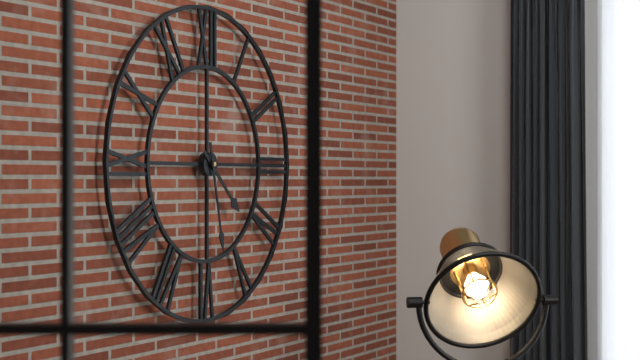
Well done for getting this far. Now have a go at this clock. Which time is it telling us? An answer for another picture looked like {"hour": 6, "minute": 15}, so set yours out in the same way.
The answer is {"hour": 4, "minute": 28}
